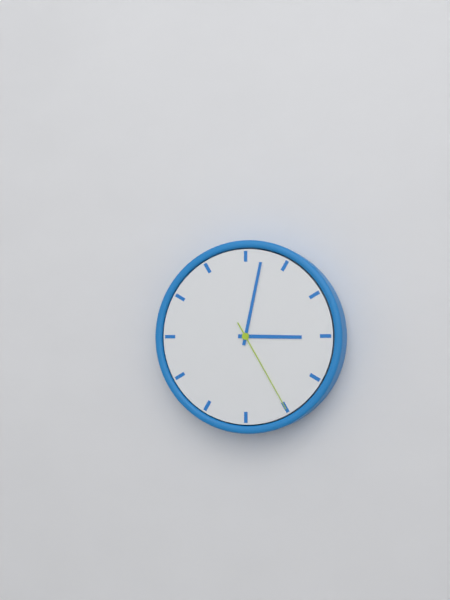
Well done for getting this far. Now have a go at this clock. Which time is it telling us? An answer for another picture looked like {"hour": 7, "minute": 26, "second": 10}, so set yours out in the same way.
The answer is {"hour": 3, "minute": 2, "second": 25}
